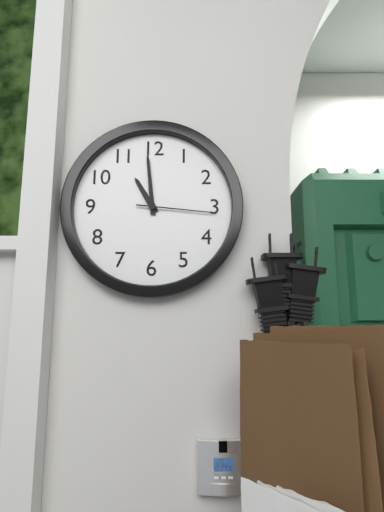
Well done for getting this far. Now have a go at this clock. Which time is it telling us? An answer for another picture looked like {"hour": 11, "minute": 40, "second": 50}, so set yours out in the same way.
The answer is {"hour": 10, "minute": 59, "second": 16}
